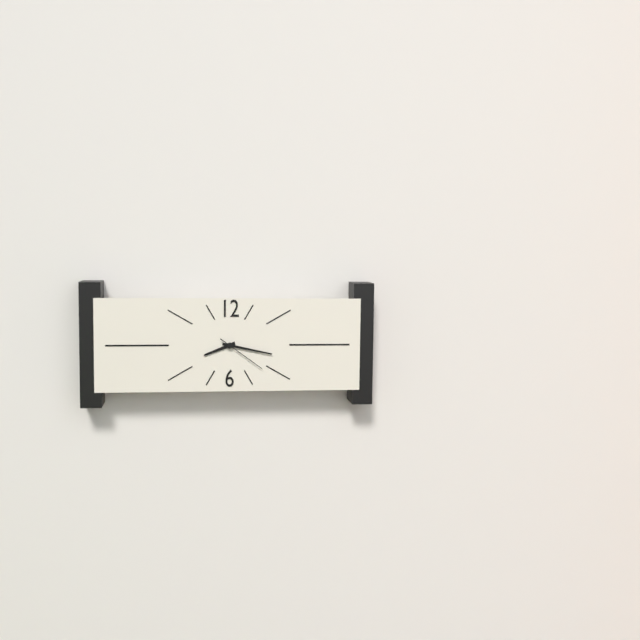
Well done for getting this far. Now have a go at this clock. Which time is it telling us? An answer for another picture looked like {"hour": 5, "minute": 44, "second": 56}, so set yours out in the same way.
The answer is {"hour": 8, "minute": 17, "second": 21}
